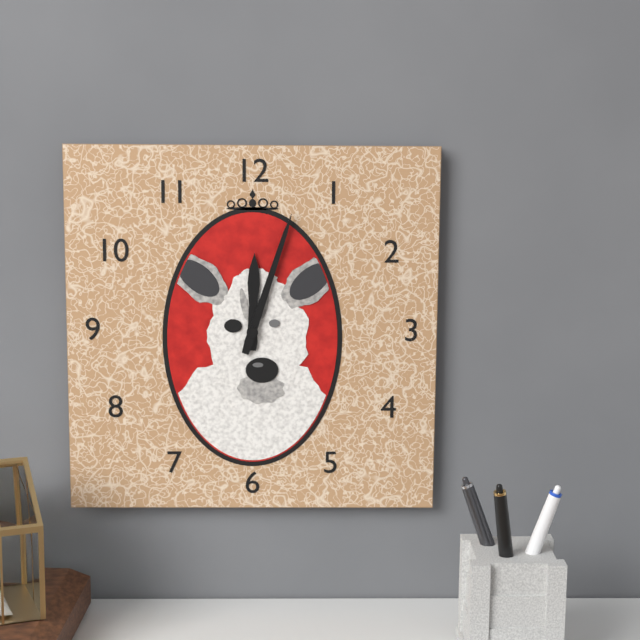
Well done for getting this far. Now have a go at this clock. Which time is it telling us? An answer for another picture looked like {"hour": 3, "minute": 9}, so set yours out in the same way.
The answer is {"hour": 12, "minute": 3}
